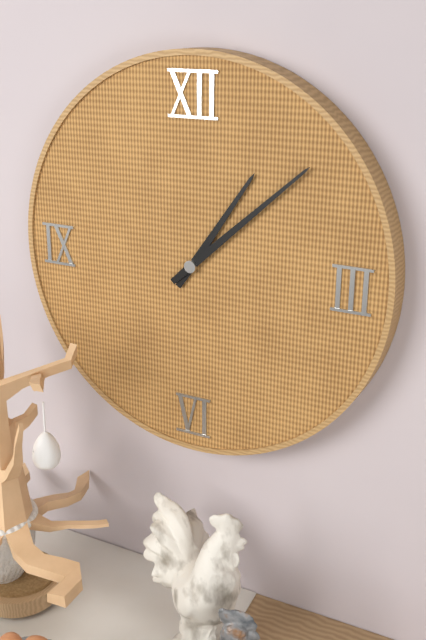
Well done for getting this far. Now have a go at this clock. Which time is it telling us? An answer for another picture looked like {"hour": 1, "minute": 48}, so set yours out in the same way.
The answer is {"hour": 1, "minute": 8}
